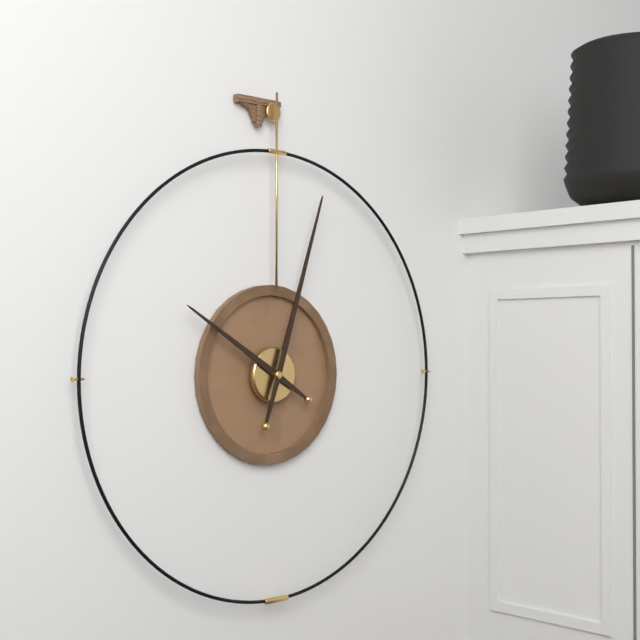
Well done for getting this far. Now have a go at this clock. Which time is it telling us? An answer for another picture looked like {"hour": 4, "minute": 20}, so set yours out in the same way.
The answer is {"hour": 10, "minute": 3}
